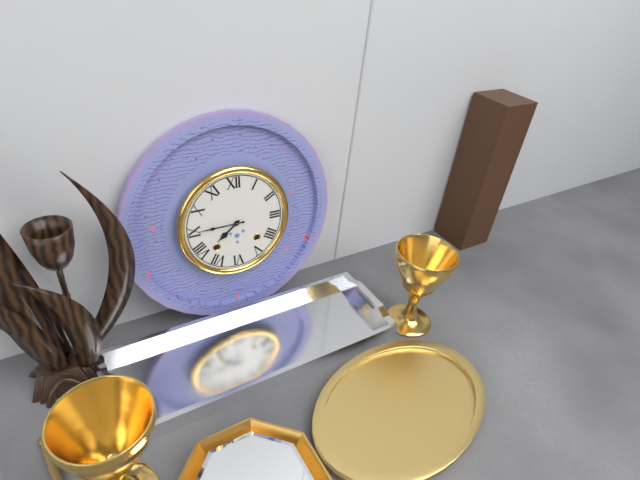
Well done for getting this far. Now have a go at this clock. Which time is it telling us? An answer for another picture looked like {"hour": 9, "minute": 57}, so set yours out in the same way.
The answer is {"hour": 7, "minute": 45}
